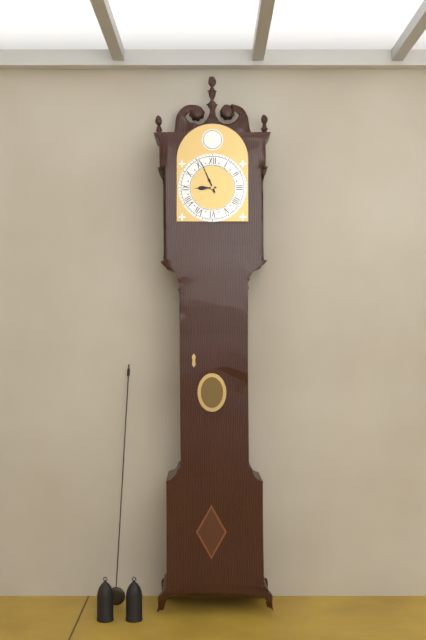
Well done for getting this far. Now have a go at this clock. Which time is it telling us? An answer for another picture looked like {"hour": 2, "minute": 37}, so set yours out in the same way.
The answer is {"hour": 8, "minute": 56}
